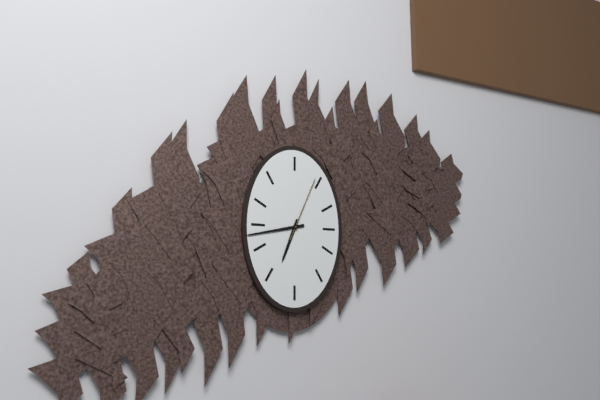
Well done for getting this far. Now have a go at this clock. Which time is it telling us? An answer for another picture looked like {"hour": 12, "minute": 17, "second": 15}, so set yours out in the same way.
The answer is {"hour": 6, "minute": 43, "second": 4}
